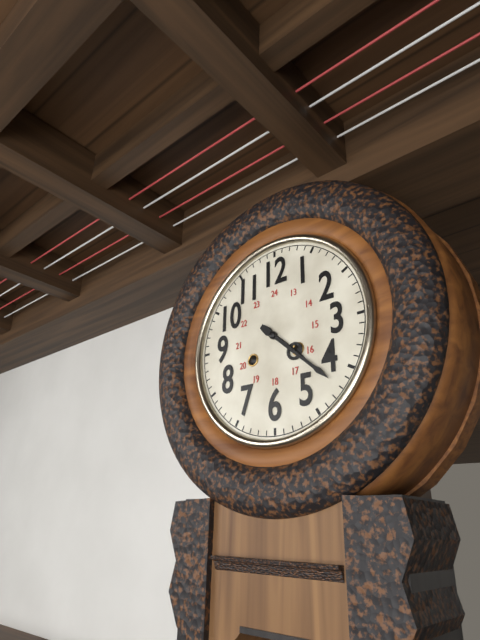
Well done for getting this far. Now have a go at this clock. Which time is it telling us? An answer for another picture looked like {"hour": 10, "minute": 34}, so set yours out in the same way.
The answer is {"hour": 4, "minute": 22}
